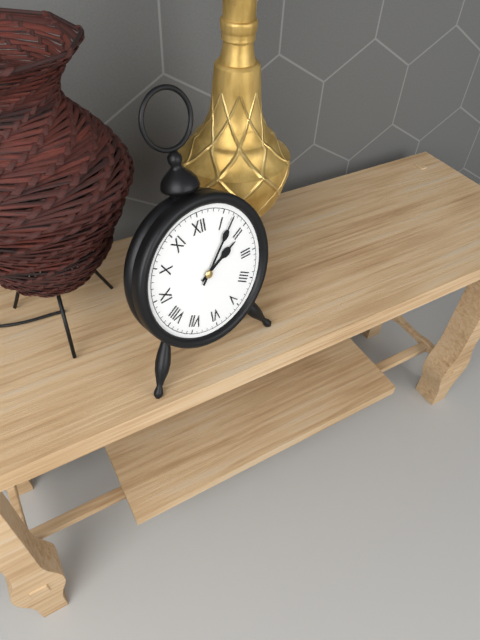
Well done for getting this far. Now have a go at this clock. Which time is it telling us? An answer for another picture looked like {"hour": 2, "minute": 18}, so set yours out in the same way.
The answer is {"hour": 2, "minute": 7}
